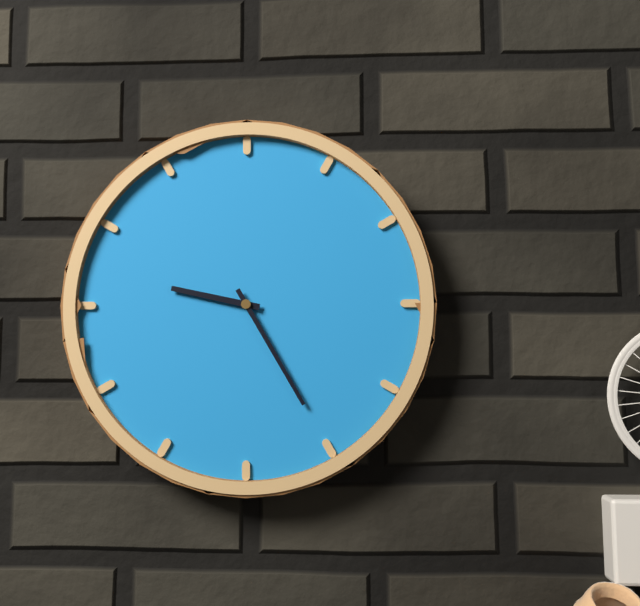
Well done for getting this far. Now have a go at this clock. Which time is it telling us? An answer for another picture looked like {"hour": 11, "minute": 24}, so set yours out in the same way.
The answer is {"hour": 9, "minute": 25}
